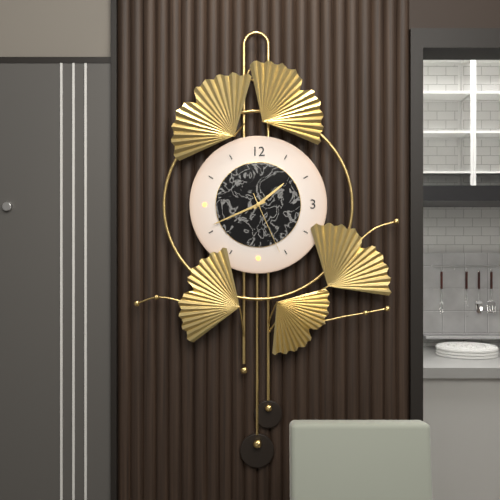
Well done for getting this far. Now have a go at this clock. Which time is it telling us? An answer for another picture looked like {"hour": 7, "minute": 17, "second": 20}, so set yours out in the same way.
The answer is {"hour": 1, "minute": 41, "second": 26}
